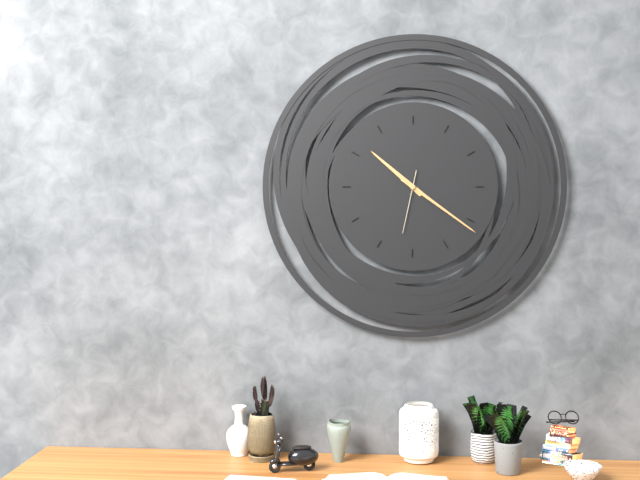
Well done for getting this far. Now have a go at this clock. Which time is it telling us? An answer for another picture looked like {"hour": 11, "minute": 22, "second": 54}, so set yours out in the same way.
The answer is {"hour": 10, "minute": 21, "second": 32}
